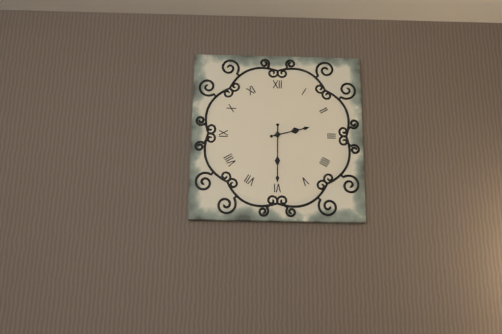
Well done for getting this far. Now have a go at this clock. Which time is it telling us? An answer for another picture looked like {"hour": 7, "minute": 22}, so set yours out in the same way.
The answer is {"hour": 2, "minute": 30}
